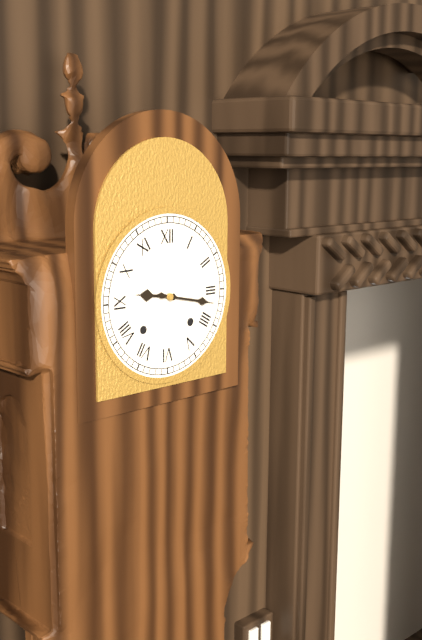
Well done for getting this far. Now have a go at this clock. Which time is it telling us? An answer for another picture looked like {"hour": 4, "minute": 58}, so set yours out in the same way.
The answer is {"hour": 9, "minute": 17}
